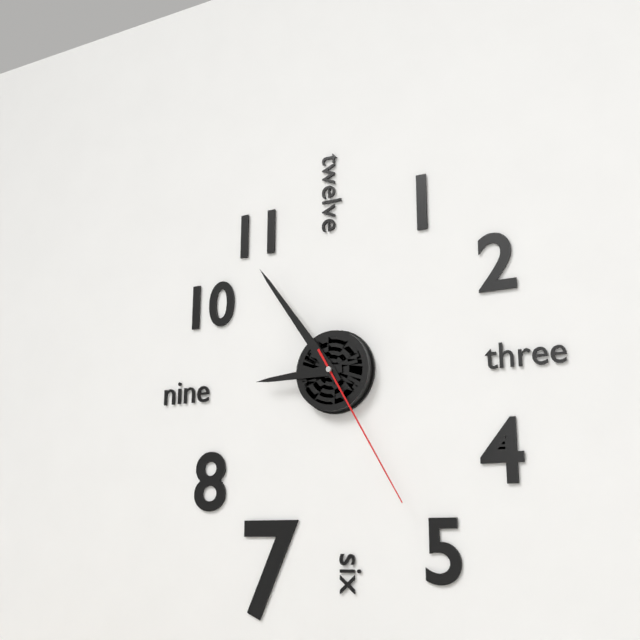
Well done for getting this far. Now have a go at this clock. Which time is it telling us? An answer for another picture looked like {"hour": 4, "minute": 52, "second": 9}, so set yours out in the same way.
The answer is {"hour": 8, "minute": 54, "second": 25}
